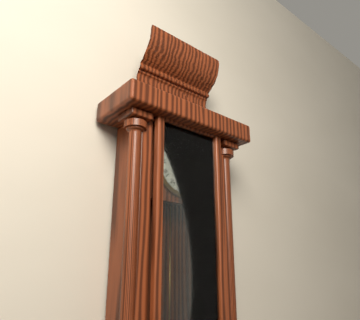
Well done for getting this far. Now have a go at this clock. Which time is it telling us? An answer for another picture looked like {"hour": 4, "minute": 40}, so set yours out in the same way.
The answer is {"hour": 12, "minute": 7}
